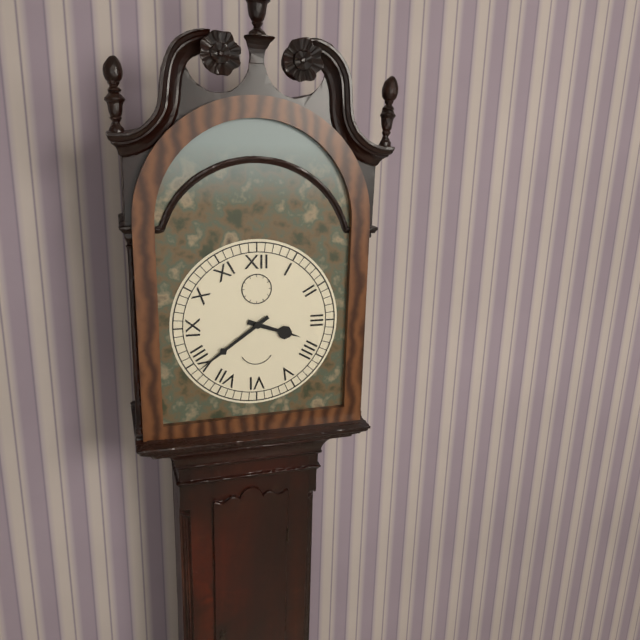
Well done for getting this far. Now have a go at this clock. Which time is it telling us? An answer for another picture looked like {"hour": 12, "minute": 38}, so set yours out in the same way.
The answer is {"hour": 3, "minute": 39}
